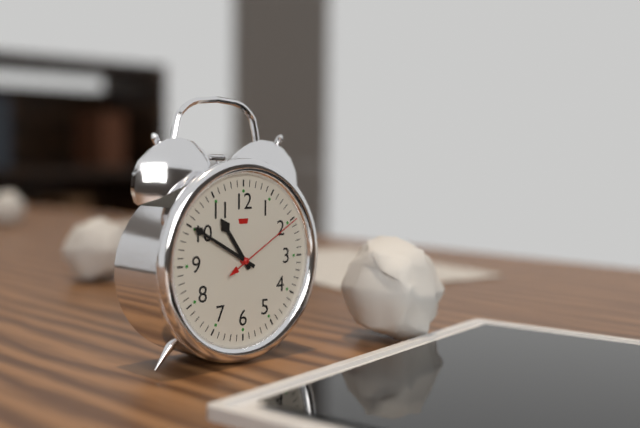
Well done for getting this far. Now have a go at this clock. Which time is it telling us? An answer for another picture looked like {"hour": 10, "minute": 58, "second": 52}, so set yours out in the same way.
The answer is {"hour": 10, "minute": 50, "second": 10}
